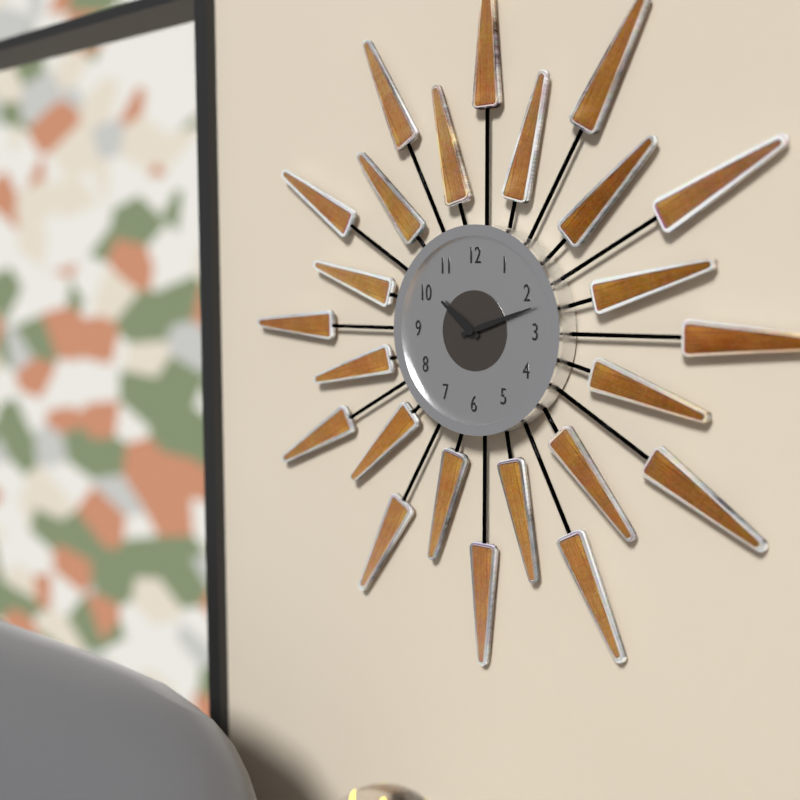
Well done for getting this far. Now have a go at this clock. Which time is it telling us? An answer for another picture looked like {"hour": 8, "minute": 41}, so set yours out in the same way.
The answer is {"hour": 10, "minute": 12}
